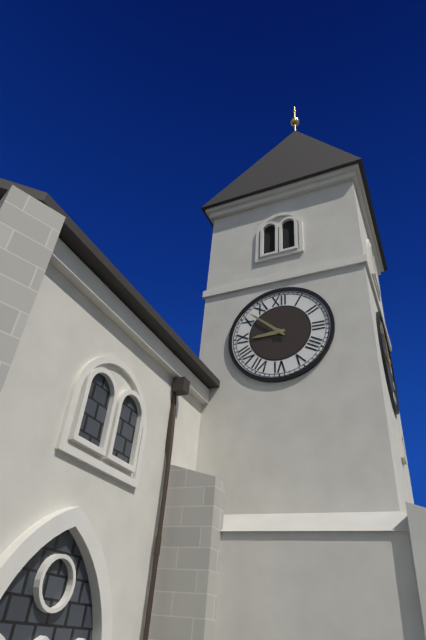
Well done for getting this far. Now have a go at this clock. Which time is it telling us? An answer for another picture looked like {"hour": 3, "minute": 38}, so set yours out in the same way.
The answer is {"hour": 8, "minute": 52}
